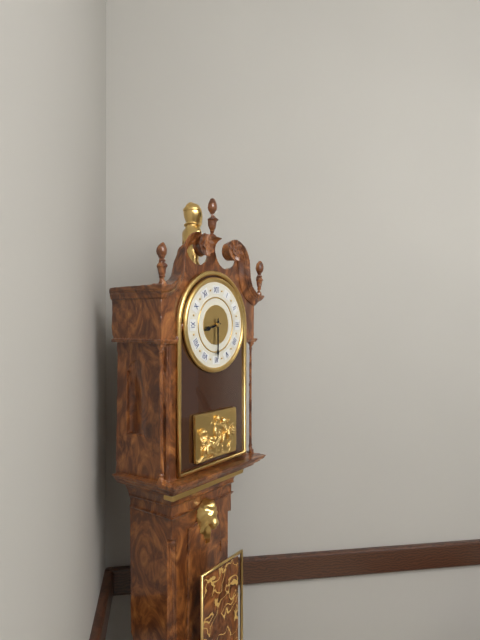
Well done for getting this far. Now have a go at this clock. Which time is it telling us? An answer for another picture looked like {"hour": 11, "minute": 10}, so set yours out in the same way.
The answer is {"hour": 8, "minute": 30}
